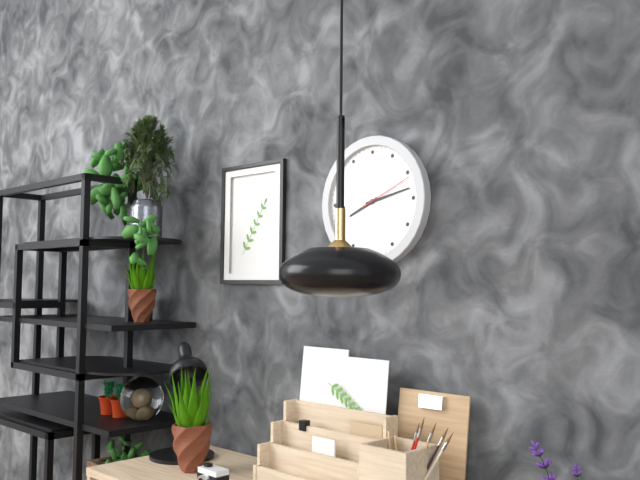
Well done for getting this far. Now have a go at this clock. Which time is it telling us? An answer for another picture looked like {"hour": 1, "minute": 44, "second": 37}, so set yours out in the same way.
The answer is {"hour": 8, "minute": 13, "second": 11}
